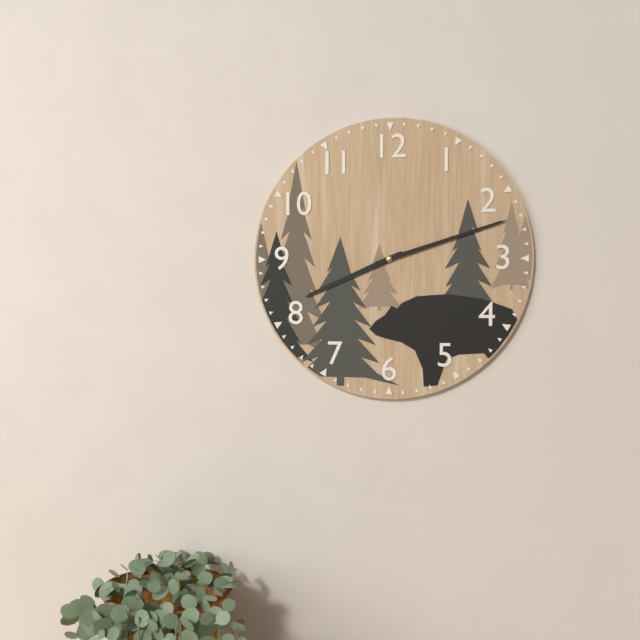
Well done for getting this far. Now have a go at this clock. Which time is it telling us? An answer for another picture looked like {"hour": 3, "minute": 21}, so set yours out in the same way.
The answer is {"hour": 8, "minute": 12}
